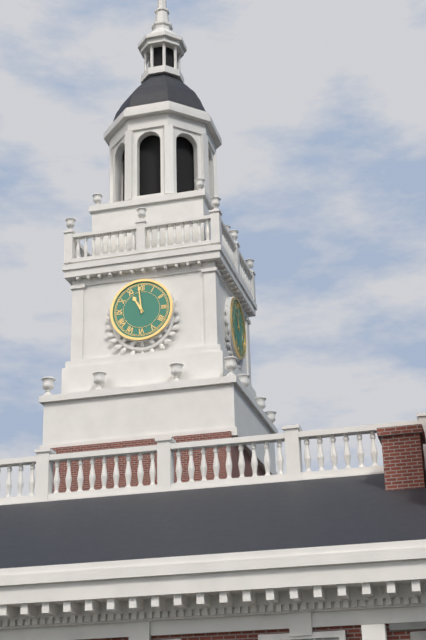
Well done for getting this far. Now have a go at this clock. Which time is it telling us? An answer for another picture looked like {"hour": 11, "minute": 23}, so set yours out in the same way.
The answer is {"hour": 10, "minute": 59}
